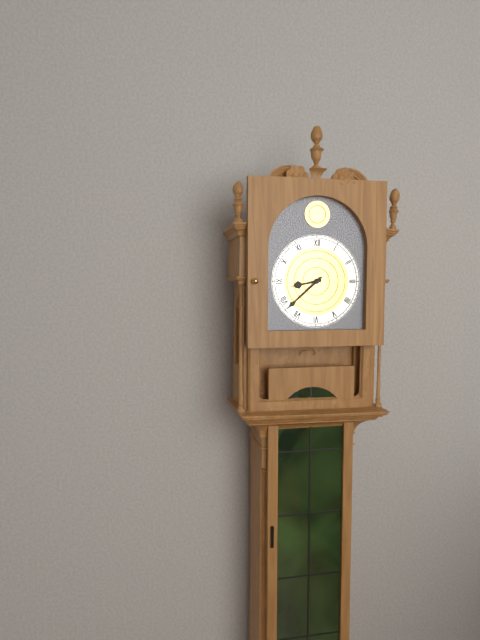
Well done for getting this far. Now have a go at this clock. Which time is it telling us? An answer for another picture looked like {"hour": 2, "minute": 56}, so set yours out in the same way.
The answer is {"hour": 8, "minute": 38}
